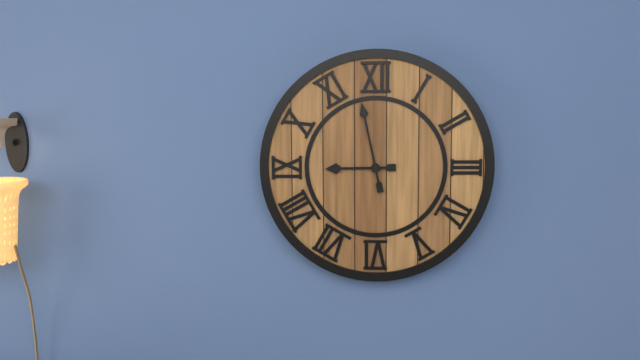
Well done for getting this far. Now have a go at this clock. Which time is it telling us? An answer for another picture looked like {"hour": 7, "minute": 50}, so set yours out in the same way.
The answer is {"hour": 8, "minute": 58}
